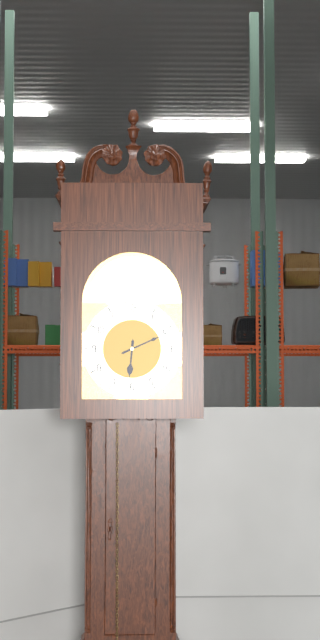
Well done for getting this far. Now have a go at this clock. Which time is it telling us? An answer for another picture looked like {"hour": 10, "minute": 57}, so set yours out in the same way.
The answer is {"hour": 6, "minute": 11}
